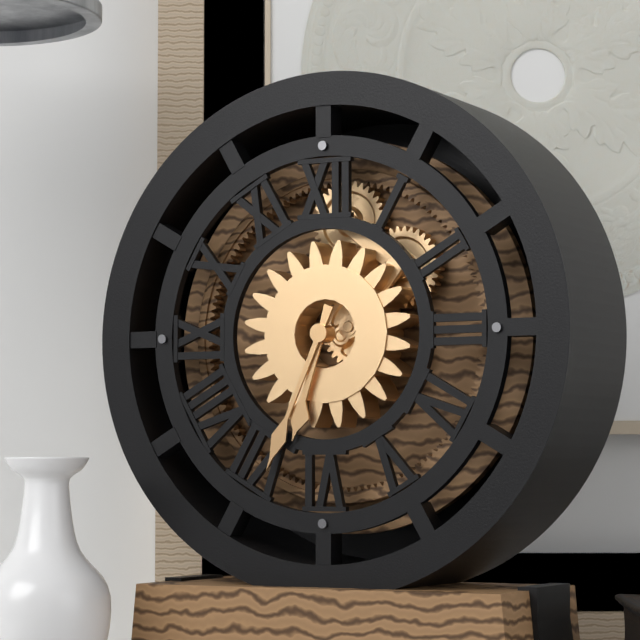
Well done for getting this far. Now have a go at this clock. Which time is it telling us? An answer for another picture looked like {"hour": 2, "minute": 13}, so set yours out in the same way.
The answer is {"hour": 6, "minute": 34}
